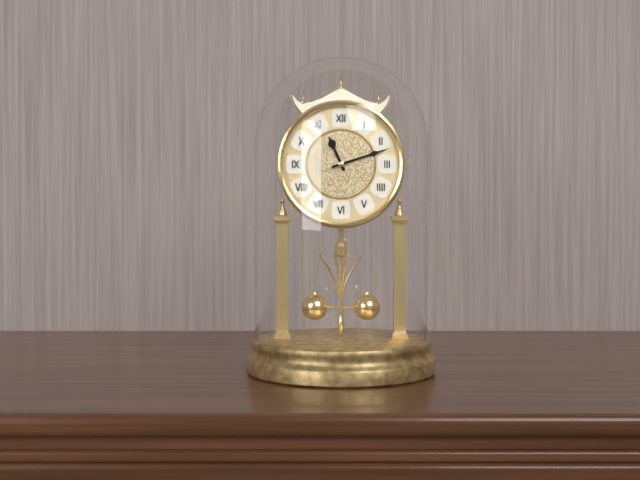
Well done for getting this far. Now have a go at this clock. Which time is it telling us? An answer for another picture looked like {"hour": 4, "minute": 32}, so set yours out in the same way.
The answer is {"hour": 11, "minute": 12}
